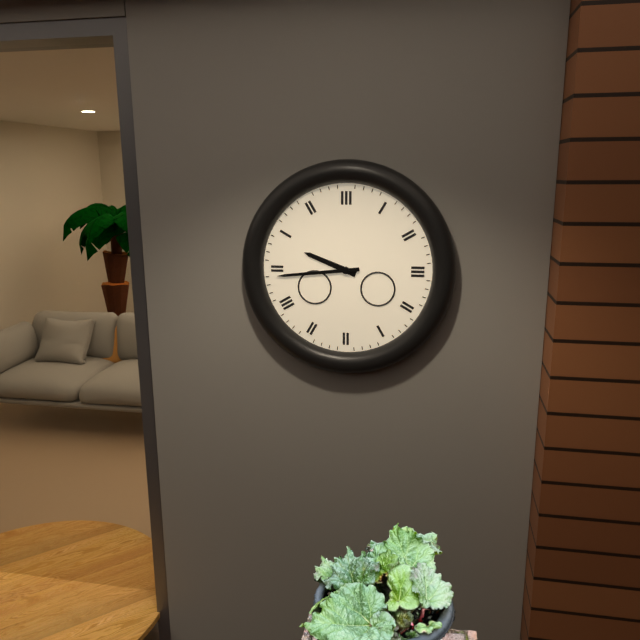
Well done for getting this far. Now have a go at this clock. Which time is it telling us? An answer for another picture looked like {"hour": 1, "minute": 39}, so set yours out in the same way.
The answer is {"hour": 9, "minute": 44}
